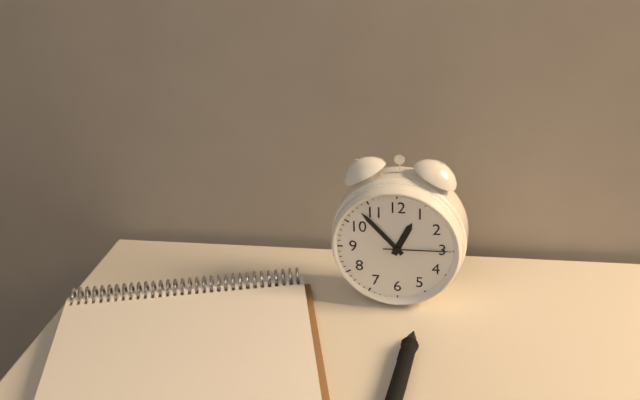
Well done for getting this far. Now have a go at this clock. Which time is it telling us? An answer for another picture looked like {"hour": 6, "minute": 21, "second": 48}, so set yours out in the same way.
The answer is {"hour": 12, "minute": 53, "second": 15}
